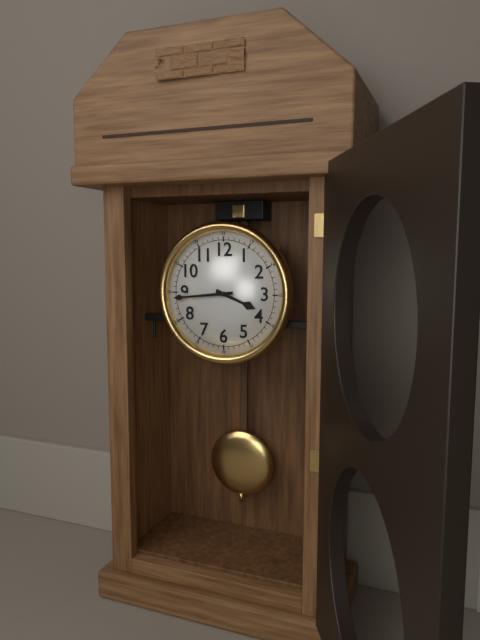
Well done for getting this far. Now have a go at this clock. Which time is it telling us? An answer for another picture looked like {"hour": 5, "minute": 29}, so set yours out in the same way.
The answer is {"hour": 3, "minute": 44}
